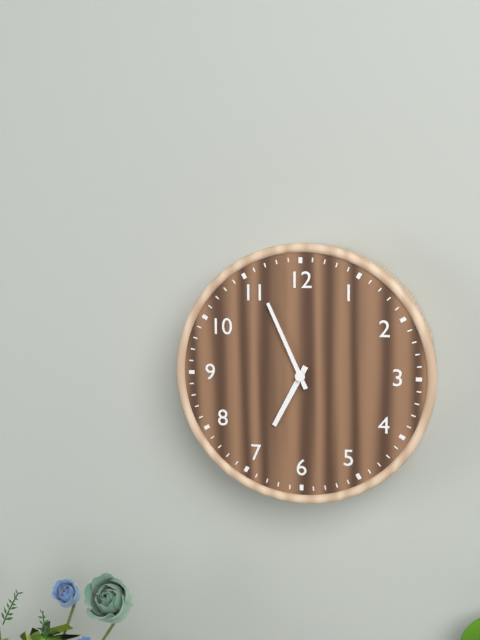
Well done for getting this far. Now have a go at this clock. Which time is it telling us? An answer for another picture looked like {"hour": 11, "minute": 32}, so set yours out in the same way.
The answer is {"hour": 6, "minute": 56}
